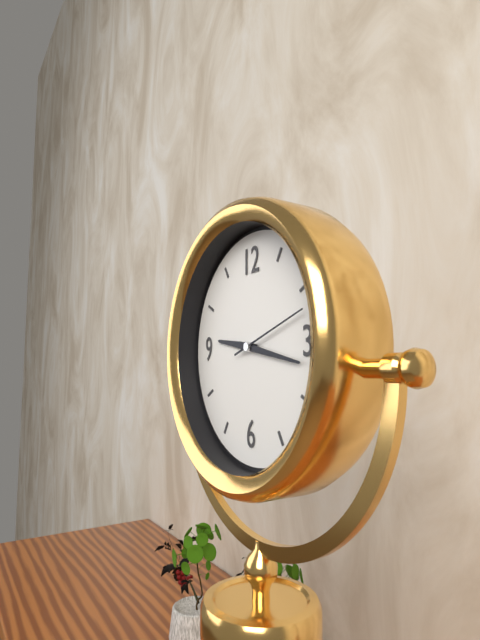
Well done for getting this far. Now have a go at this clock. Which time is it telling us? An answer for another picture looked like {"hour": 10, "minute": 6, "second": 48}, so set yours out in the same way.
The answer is {"hour": 9, "minute": 17, "second": 12}
